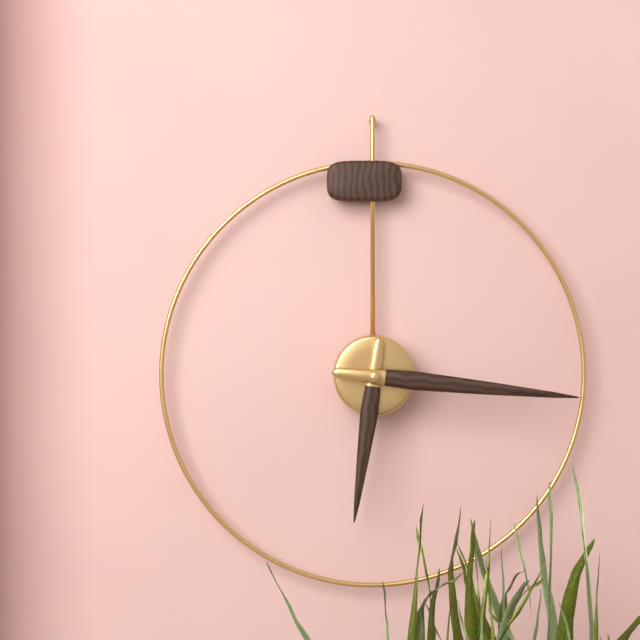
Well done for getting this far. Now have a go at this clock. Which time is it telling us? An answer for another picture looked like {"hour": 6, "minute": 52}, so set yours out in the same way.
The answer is {"hour": 6, "minute": 16}
